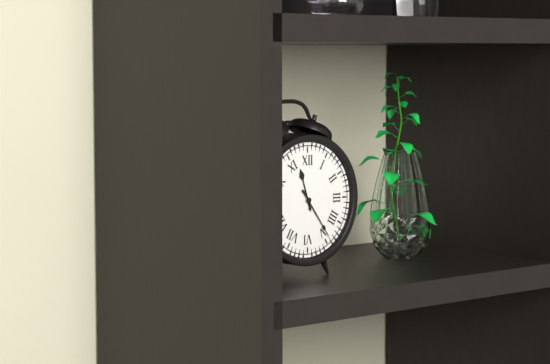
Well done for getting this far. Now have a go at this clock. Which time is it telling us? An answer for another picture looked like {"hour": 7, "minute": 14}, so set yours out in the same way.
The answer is {"hour": 11, "minute": 24}
